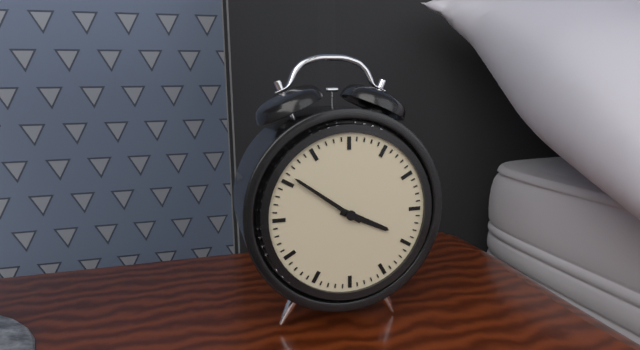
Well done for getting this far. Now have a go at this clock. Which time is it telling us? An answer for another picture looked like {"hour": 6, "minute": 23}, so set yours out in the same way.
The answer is {"hour": 3, "minute": 51}
